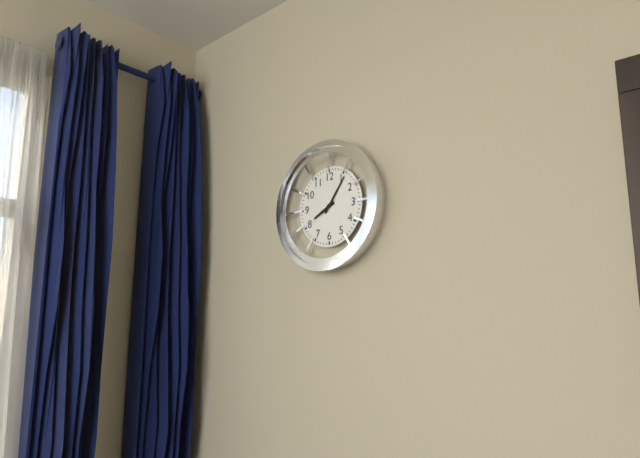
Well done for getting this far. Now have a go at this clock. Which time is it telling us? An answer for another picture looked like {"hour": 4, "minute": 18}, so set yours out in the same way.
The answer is {"hour": 8, "minute": 6}
